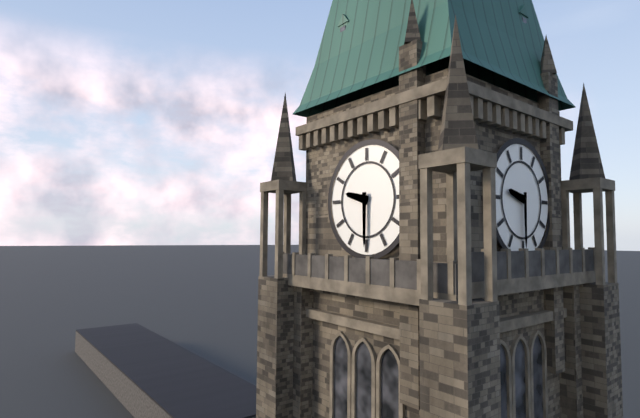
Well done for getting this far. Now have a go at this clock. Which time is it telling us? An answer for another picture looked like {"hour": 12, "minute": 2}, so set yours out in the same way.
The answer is {"hour": 9, "minute": 30}
